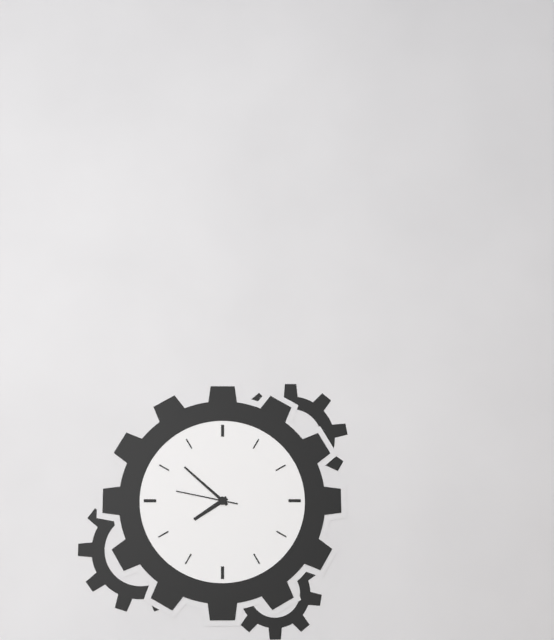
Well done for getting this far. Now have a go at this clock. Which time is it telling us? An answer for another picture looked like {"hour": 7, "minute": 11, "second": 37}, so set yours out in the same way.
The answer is {"hour": 7, "minute": 52, "second": 47}
